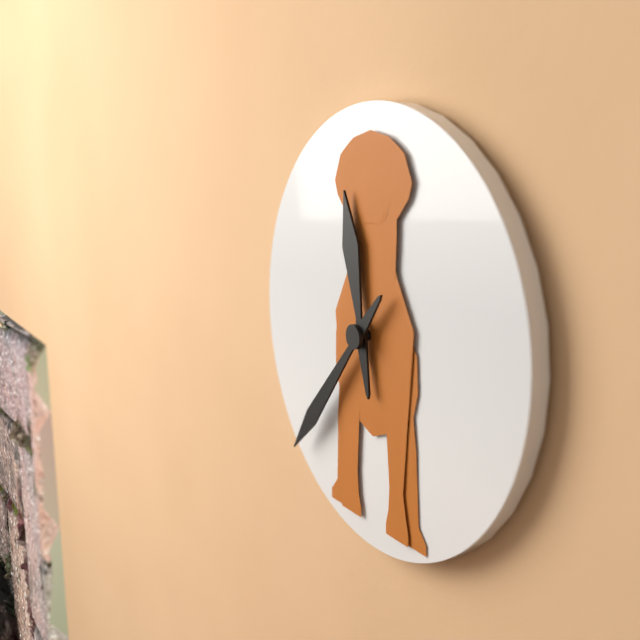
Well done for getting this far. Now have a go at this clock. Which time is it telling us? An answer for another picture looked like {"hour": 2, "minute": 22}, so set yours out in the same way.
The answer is {"hour": 11, "minute": 37}
